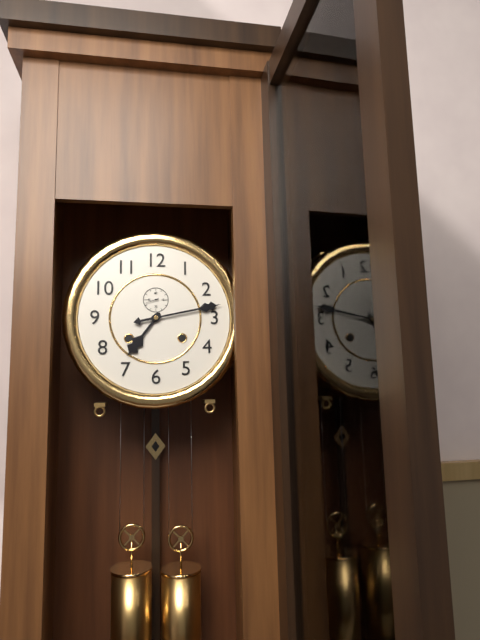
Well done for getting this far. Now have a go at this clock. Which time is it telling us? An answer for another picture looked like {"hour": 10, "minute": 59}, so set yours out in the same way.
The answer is {"hour": 7, "minute": 13}
